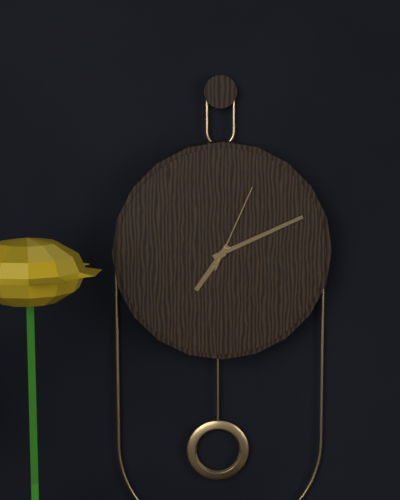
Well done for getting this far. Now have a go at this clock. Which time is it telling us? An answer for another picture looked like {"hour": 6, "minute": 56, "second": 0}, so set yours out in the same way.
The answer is {"hour": 7, "minute": 11, "second": 4}
